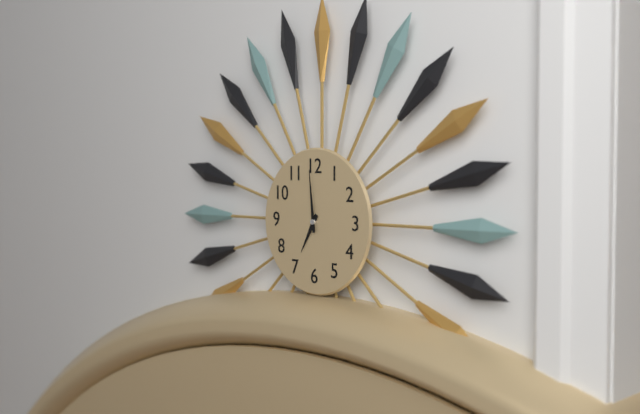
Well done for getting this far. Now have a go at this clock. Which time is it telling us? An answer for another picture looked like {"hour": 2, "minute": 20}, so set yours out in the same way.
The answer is {"hour": 6, "minute": 59}
